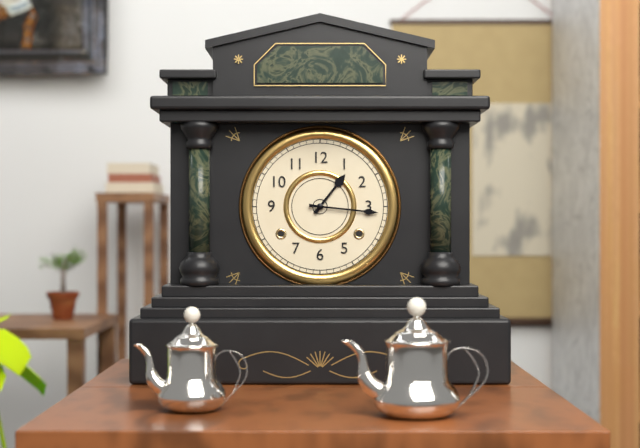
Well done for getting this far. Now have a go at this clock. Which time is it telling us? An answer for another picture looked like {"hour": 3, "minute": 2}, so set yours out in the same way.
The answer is {"hour": 1, "minute": 16}
